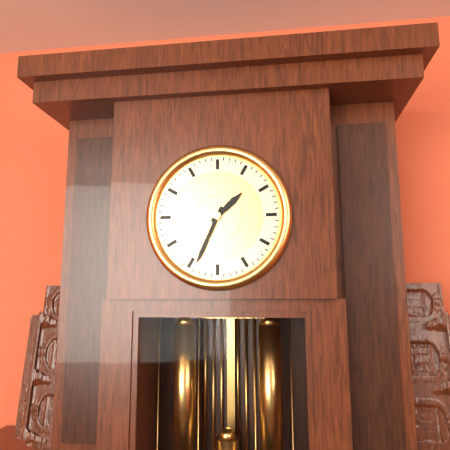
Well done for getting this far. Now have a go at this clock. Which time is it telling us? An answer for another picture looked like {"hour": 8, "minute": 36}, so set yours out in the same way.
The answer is {"hour": 1, "minute": 34}
